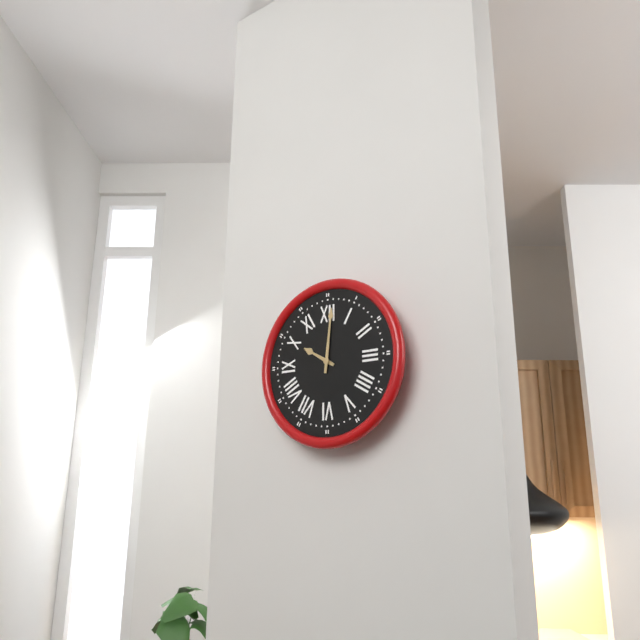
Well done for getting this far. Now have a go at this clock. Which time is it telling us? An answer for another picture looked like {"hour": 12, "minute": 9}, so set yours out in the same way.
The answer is {"hour": 10, "minute": 1}
